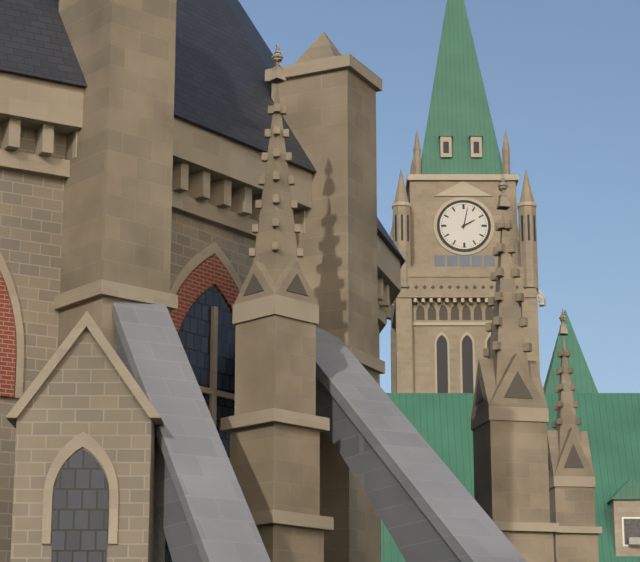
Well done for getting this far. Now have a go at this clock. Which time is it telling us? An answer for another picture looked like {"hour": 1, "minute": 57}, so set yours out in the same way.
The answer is {"hour": 2, "minute": 2}
